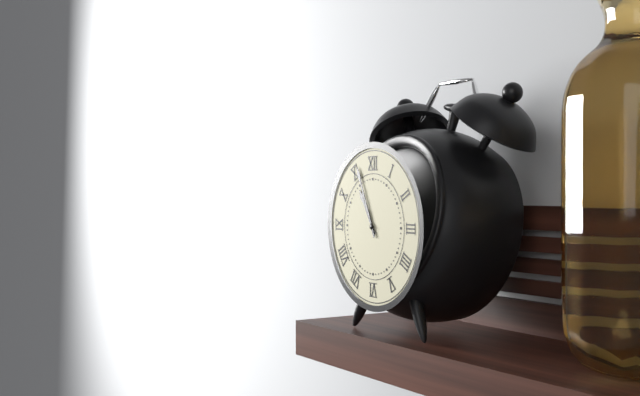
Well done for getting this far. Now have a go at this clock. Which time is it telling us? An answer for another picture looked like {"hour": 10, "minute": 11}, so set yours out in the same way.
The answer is {"hour": 10, "minute": 56}
